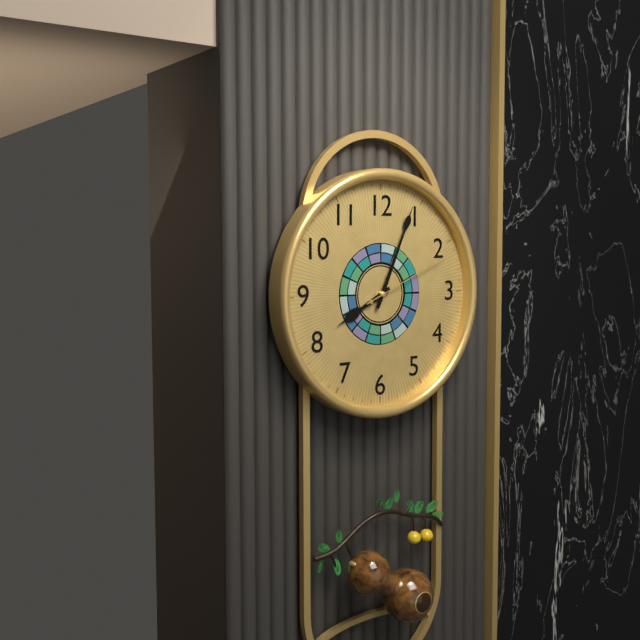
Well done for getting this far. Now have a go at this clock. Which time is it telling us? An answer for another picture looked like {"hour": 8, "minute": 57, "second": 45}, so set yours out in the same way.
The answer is {"hour": 8, "minute": 4, "second": 11}
